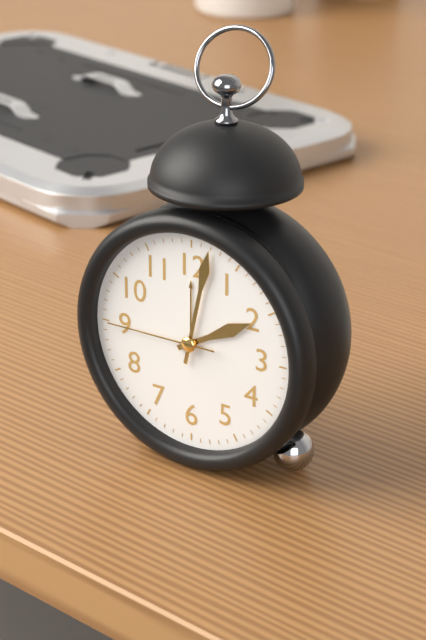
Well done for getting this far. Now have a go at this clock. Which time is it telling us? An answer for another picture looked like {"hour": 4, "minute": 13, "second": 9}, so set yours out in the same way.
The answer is {"hour": 2, "minute": 2, "second": 45}
